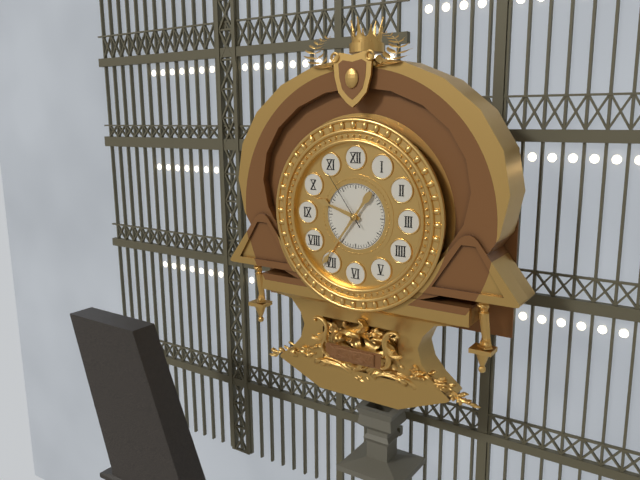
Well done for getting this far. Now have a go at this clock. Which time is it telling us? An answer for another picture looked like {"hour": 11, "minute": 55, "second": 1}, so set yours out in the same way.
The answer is {"hour": 9, "minute": 36, "second": 54}
